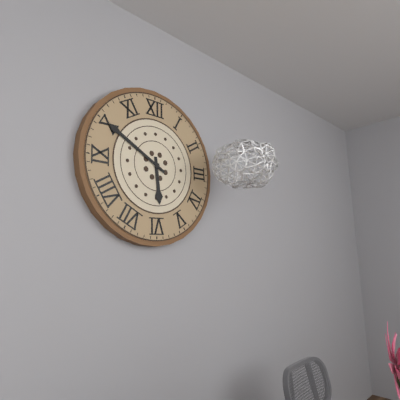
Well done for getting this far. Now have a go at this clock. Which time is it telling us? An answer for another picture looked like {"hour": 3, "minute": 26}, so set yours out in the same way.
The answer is {"hour": 5, "minute": 50}
